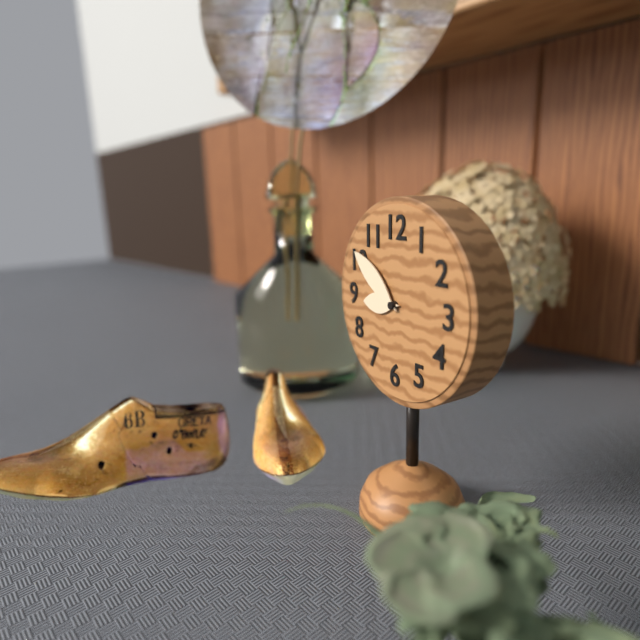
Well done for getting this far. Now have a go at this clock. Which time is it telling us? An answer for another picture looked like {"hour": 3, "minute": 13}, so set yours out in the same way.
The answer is {"hour": 8, "minute": 51}
